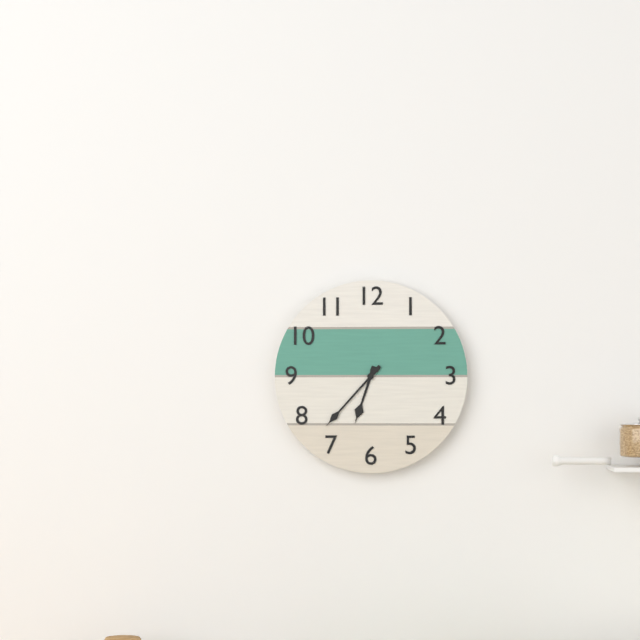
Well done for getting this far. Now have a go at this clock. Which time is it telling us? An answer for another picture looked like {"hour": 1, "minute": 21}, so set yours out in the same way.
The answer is {"hour": 6, "minute": 37}
